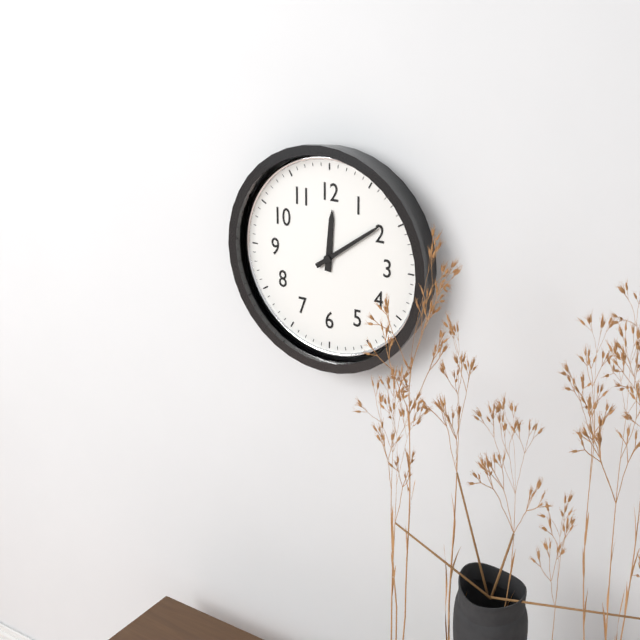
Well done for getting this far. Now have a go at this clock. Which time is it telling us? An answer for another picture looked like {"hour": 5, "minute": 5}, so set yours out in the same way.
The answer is {"hour": 12, "minute": 9}
